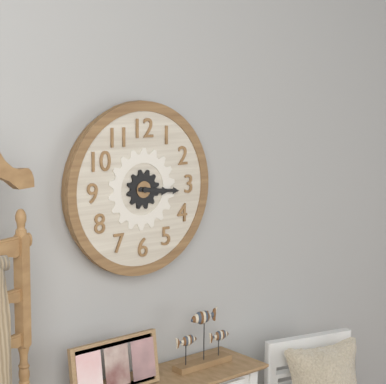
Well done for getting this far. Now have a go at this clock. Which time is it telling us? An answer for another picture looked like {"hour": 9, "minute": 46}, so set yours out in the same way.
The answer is {"hour": 3, "minute": 16}
